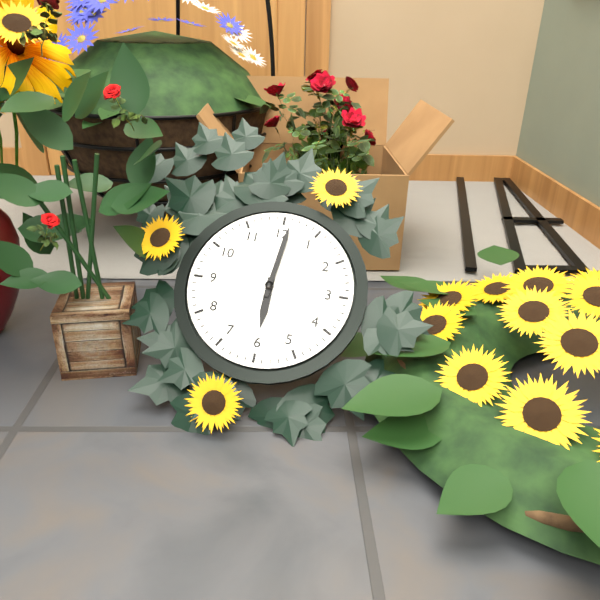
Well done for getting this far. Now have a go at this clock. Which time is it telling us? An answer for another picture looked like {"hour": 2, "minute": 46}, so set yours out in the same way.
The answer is {"hour": 6, "minute": 1}
